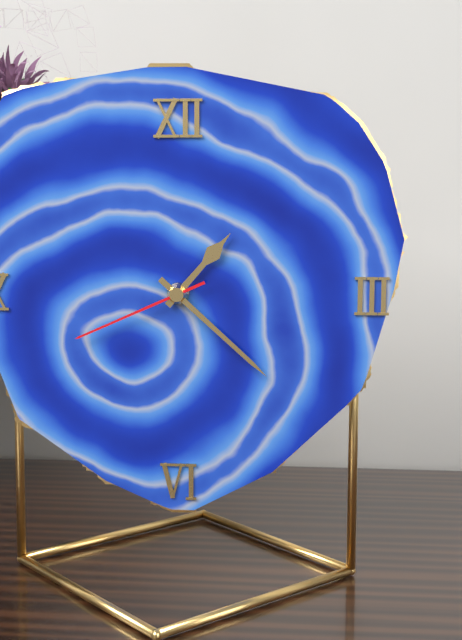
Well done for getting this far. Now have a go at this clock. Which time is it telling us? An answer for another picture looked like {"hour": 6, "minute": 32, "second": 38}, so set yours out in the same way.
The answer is {"hour": 1, "minute": 22, "second": 41}
